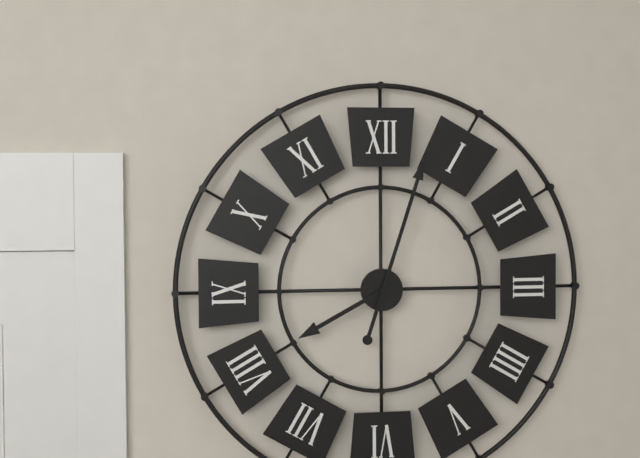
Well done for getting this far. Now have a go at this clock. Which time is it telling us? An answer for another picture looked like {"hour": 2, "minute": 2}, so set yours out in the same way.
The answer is {"hour": 8, "minute": 3}
